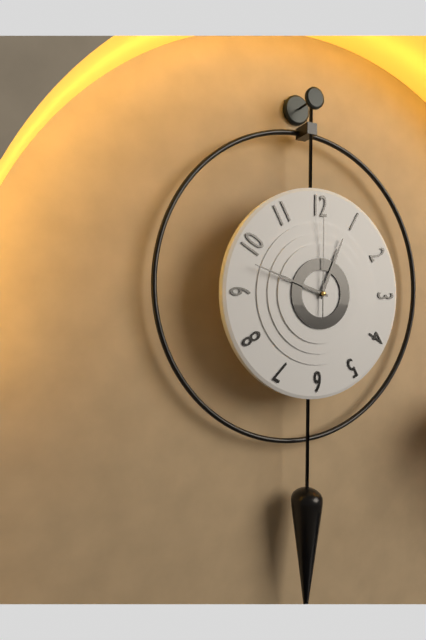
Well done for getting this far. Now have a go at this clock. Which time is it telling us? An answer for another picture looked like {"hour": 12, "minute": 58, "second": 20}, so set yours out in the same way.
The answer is {"hour": 12, "minute": 48, "second": 0}
